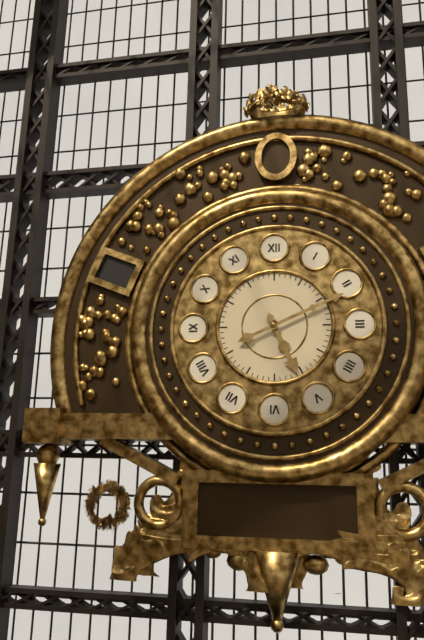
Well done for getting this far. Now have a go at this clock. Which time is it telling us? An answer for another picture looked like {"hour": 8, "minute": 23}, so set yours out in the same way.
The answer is {"hour": 5, "minute": 11}
